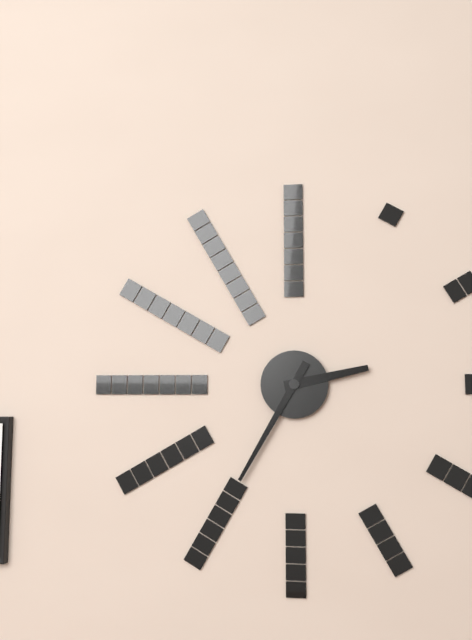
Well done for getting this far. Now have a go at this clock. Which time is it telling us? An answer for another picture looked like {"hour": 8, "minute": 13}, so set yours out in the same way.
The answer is {"hour": 2, "minute": 35}
